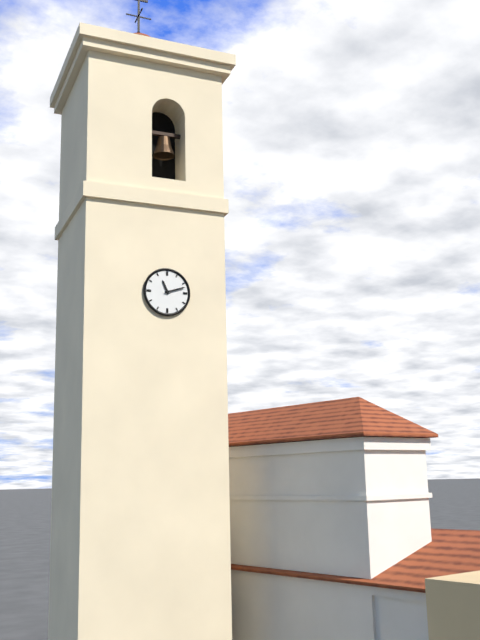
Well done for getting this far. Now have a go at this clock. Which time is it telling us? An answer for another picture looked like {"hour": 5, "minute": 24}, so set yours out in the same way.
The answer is {"hour": 11, "minute": 12}
